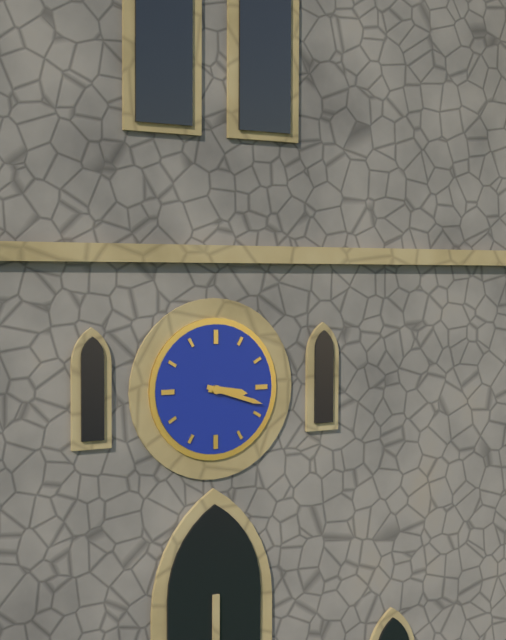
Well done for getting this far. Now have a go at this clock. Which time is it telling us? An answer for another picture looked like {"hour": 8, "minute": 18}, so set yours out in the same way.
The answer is {"hour": 3, "minute": 18}
